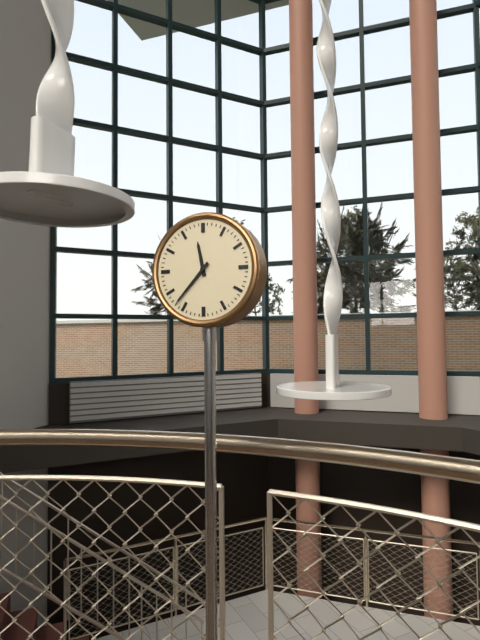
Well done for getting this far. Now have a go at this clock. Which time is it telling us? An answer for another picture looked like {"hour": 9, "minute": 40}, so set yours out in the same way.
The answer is {"hour": 11, "minute": 37}
